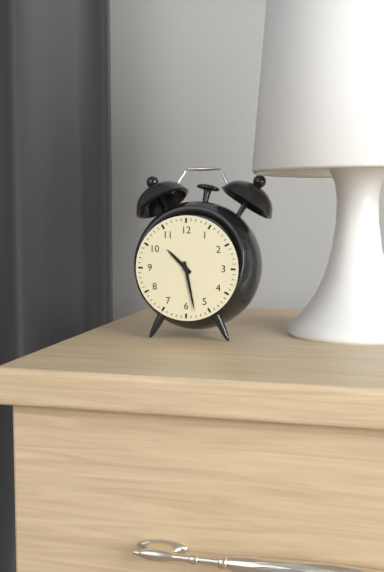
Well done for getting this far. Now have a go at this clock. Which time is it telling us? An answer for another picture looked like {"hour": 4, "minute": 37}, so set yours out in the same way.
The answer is {"hour": 10, "minute": 28}
